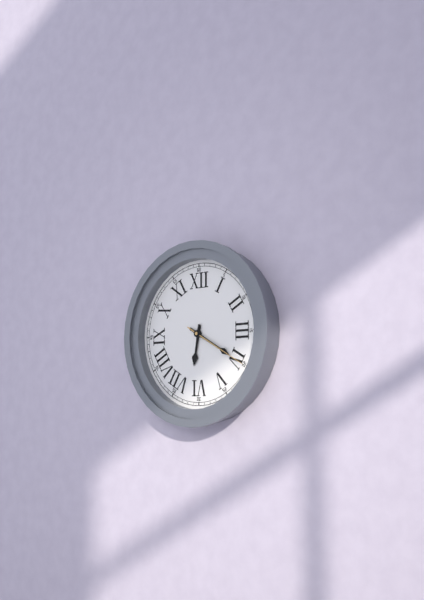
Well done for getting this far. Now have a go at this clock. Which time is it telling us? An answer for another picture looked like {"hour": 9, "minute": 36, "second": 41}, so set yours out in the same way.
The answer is {"hour": 6, "minute": 20, "second": 20}
